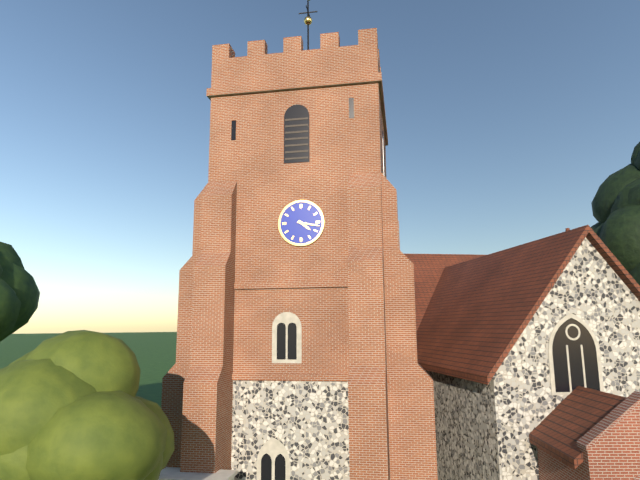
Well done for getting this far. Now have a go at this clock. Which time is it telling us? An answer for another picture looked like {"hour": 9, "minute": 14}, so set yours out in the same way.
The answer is {"hour": 4, "minute": 17}
